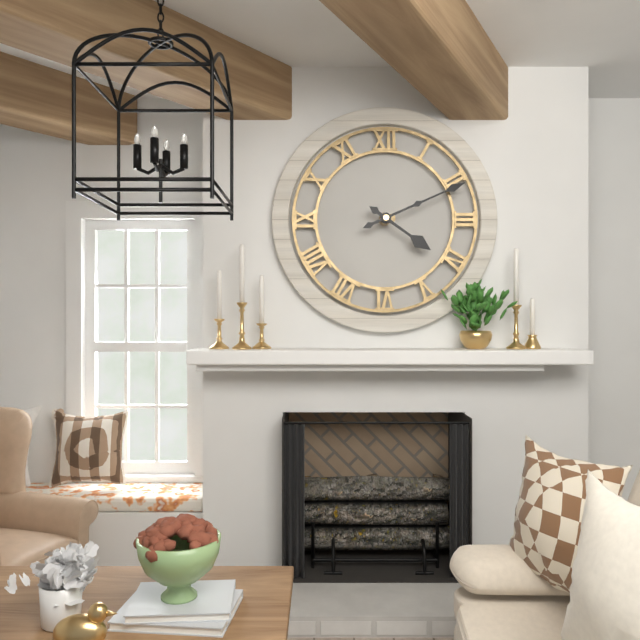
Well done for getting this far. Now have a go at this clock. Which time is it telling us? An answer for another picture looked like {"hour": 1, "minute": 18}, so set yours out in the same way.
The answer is {"hour": 4, "minute": 11}
